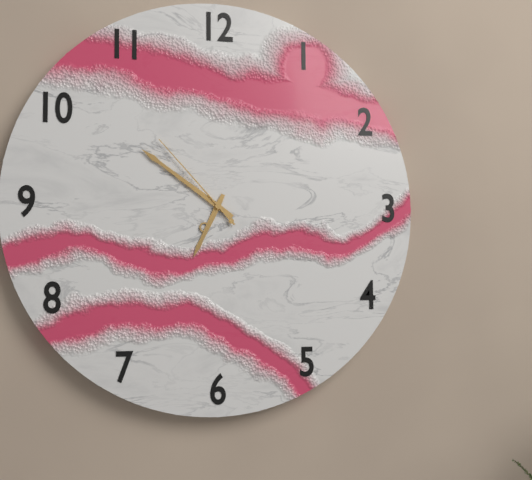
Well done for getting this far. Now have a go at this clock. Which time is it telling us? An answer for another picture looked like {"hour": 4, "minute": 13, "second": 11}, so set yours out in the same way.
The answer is {"hour": 6, "minute": 51, "second": 53}
